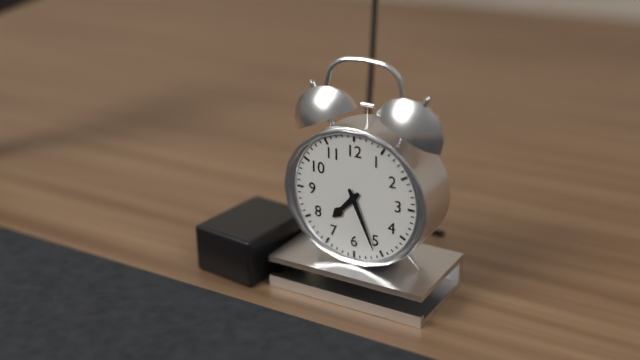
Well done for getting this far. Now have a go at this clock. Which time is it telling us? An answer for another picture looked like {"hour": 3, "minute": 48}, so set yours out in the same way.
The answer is {"hour": 7, "minute": 26}
